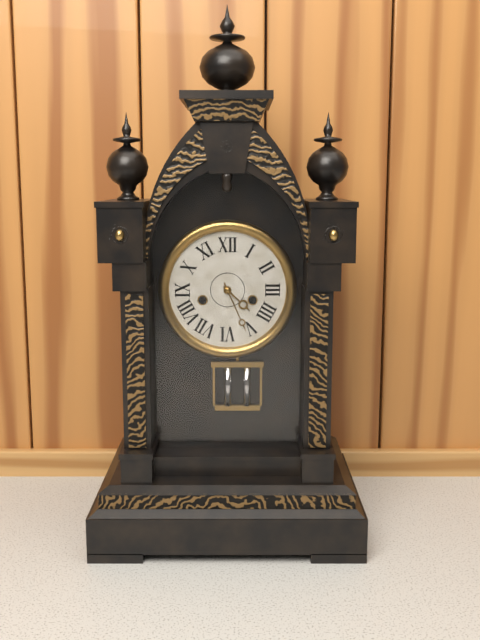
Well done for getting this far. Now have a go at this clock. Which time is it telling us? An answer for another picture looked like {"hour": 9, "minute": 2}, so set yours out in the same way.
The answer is {"hour": 4, "minute": 26}
